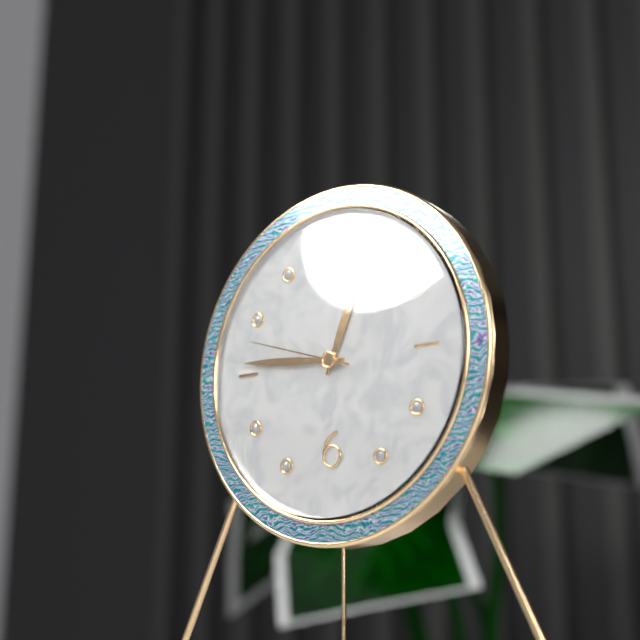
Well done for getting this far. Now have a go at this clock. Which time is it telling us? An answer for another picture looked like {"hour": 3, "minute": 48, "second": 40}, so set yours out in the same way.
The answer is {"hour": 12, "minute": 46, "second": 48}
